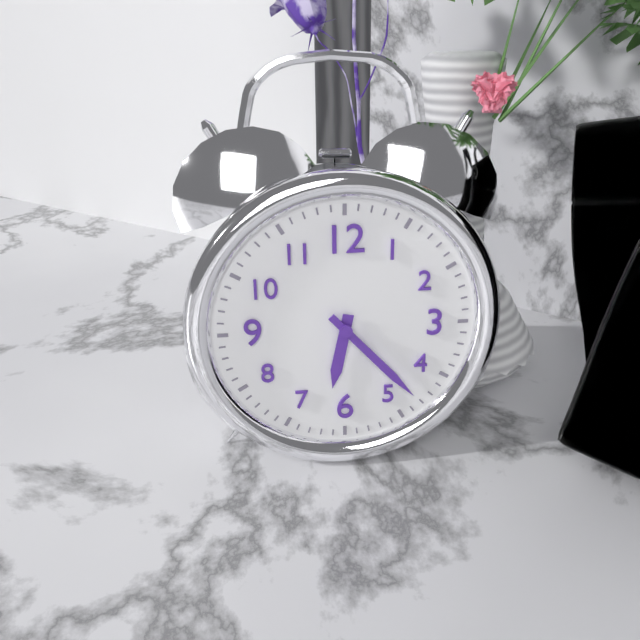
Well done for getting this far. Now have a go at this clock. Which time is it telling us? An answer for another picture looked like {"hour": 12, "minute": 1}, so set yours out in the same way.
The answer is {"hour": 6, "minute": 23}
